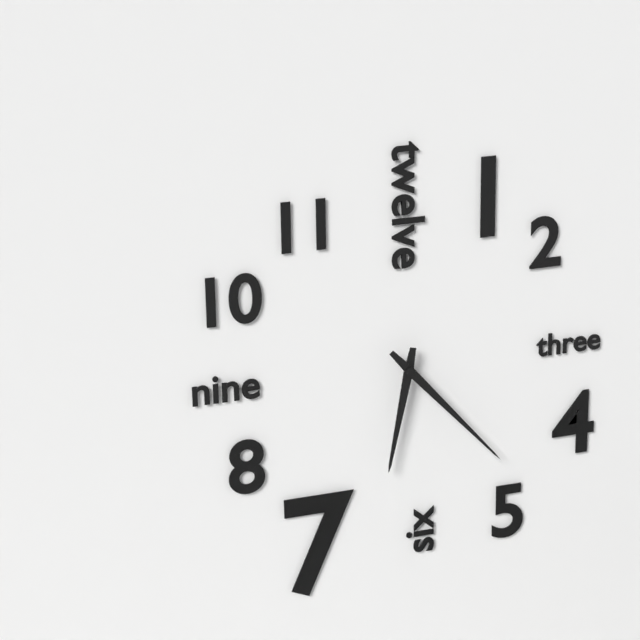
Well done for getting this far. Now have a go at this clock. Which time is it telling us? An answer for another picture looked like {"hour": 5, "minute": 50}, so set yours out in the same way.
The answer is {"hour": 6, "minute": 23}
